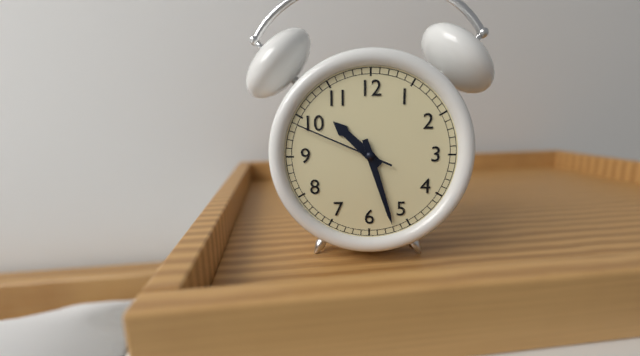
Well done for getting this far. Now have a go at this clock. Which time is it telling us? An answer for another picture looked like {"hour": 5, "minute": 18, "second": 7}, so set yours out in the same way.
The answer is {"hour": 10, "minute": 27, "second": 49}
